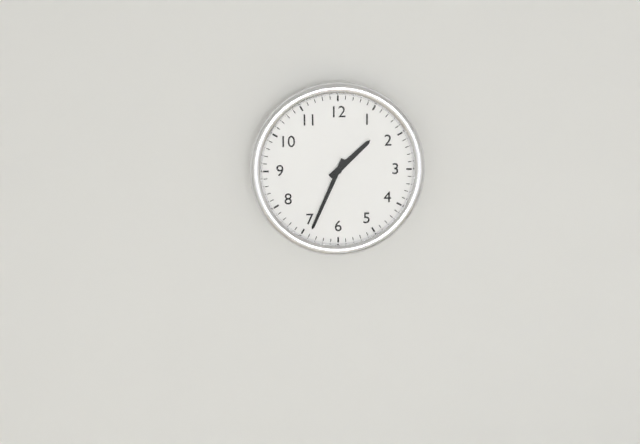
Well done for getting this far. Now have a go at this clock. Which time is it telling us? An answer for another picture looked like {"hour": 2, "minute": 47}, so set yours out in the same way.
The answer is {"hour": 1, "minute": 34}
